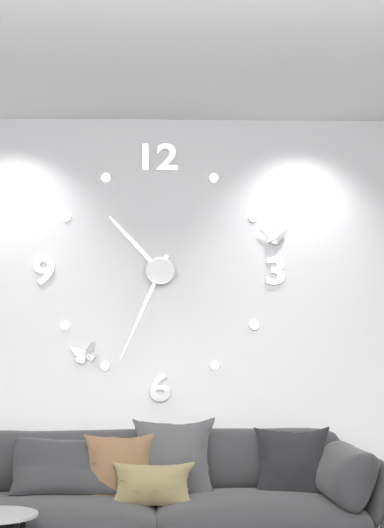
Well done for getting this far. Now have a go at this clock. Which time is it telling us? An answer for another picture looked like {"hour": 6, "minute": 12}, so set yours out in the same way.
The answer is {"hour": 10, "minute": 34}
